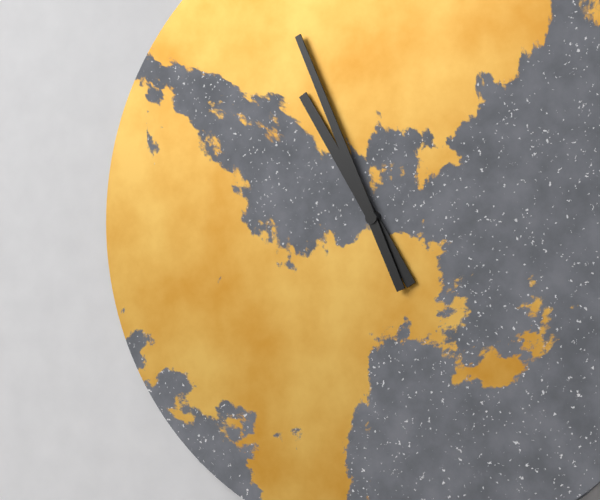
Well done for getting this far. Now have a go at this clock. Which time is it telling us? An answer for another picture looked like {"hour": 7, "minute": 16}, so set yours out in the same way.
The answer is {"hour": 10, "minute": 56}
